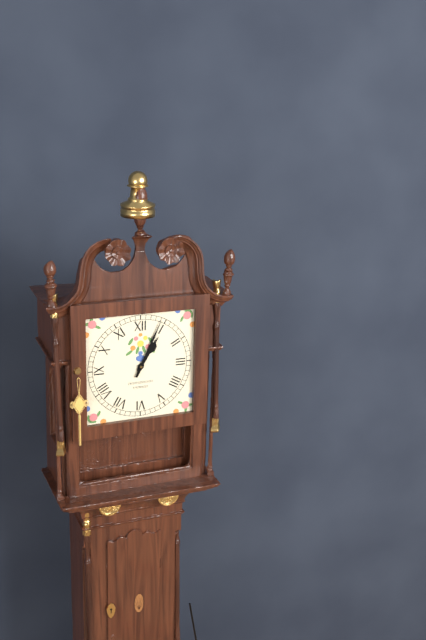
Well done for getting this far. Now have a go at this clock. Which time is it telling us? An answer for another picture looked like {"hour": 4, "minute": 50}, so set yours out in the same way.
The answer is {"hour": 1, "minute": 4}
